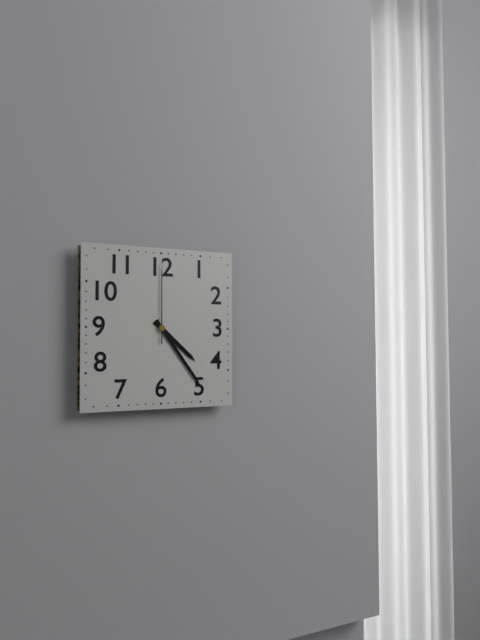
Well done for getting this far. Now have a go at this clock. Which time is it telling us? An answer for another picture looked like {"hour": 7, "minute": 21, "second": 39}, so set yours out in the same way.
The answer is {"hour": 4, "minute": 24, "second": 0}
